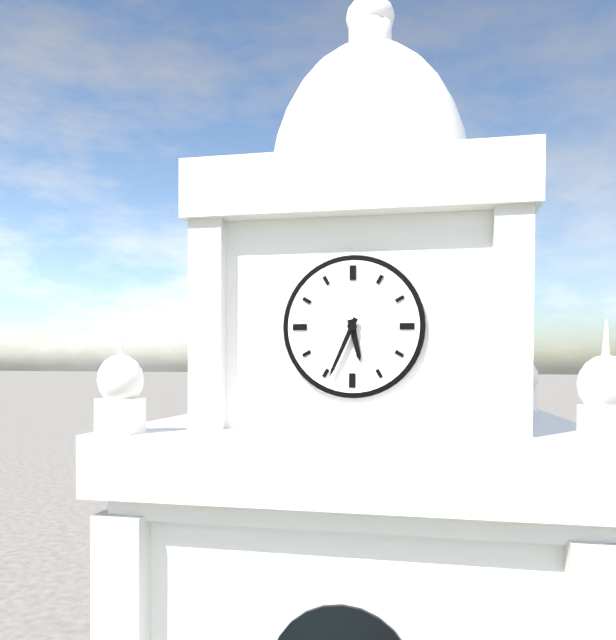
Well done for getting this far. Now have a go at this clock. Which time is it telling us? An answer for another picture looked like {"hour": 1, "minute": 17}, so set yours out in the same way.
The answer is {"hour": 5, "minute": 34}
